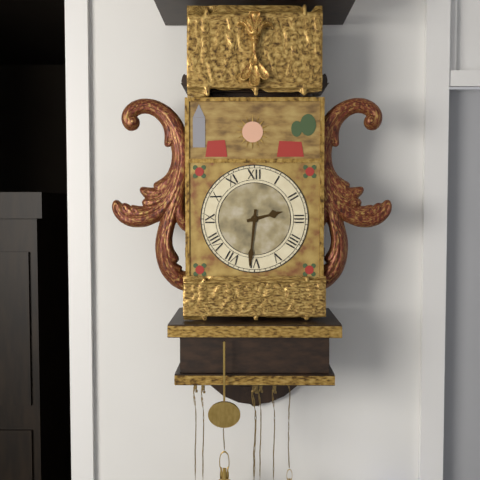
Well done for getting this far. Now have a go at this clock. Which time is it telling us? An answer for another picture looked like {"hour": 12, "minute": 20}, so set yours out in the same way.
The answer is {"hour": 2, "minute": 31}
